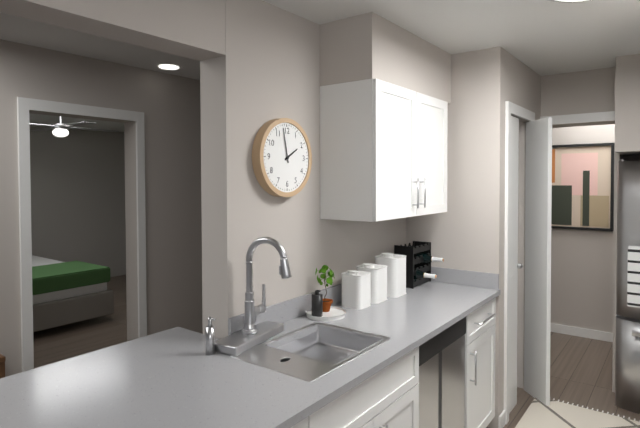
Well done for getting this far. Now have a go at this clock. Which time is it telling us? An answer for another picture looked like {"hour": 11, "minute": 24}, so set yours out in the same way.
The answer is {"hour": 1, "minute": 58}
